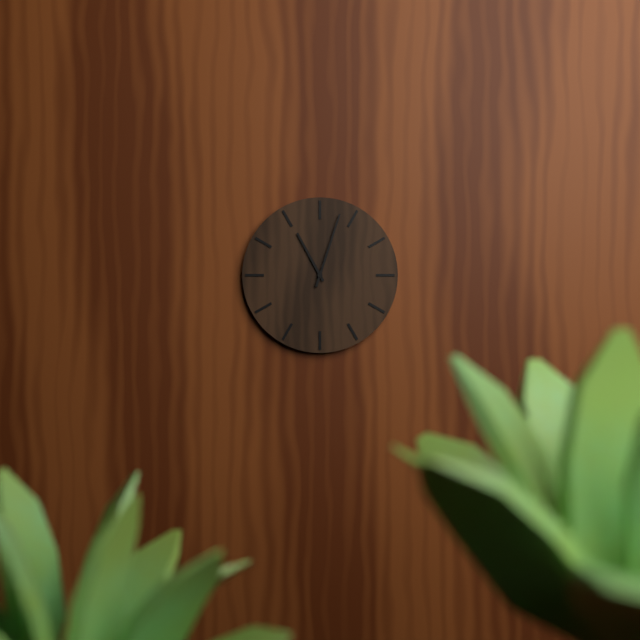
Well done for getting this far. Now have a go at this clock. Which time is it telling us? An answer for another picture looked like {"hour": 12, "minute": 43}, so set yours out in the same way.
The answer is {"hour": 11, "minute": 3}
